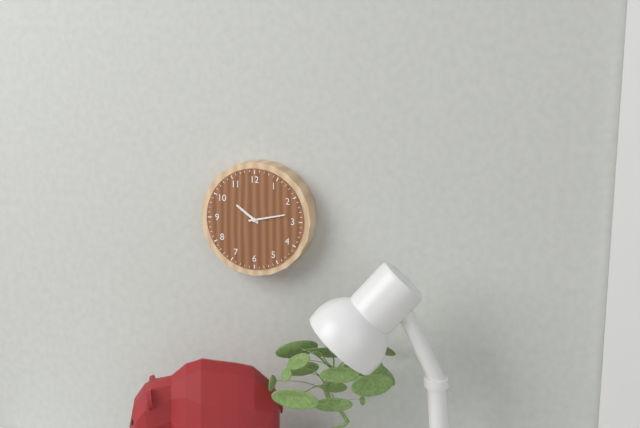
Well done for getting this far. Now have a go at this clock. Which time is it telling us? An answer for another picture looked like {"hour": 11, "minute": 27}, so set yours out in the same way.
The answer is {"hour": 10, "minute": 13}
